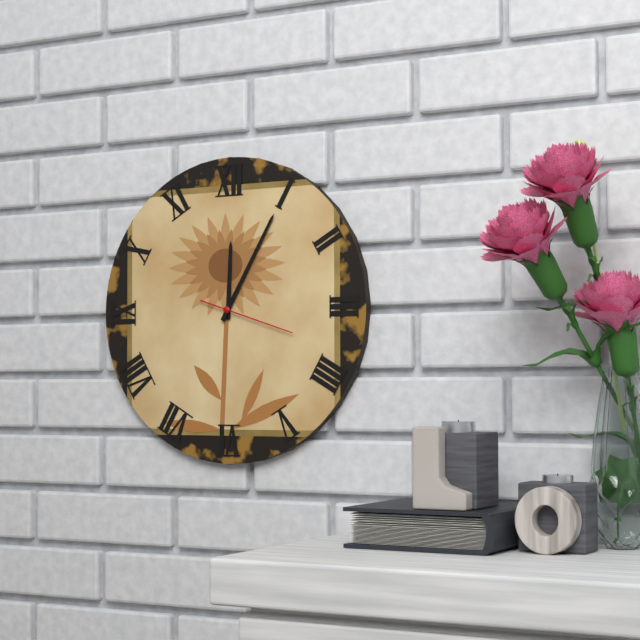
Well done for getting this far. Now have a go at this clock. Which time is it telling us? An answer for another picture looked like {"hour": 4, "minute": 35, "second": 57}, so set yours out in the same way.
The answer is {"hour": 12, "minute": 5, "second": 18}
